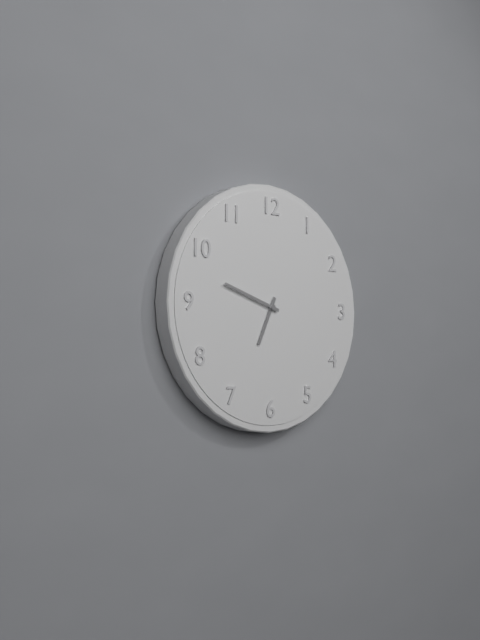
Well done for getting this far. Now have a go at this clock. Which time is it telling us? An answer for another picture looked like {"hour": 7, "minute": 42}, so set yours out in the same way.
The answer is {"hour": 6, "minute": 48}
